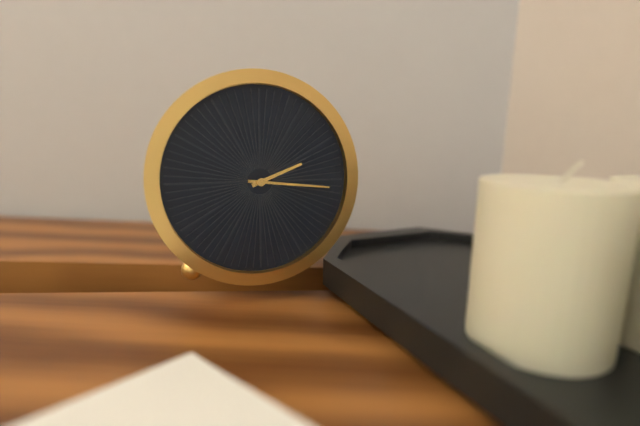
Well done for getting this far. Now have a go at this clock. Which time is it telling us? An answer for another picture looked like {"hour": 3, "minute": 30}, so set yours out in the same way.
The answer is {"hour": 2, "minute": 16}
